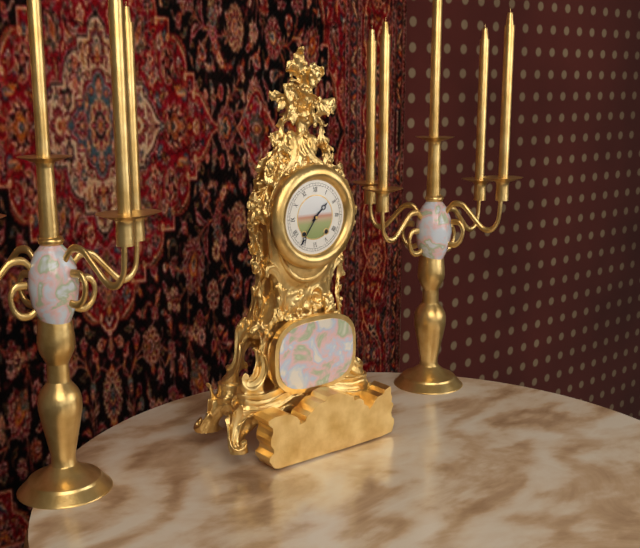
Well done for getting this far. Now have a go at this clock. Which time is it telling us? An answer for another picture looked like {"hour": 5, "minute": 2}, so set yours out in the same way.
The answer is {"hour": 1, "minute": 36}
